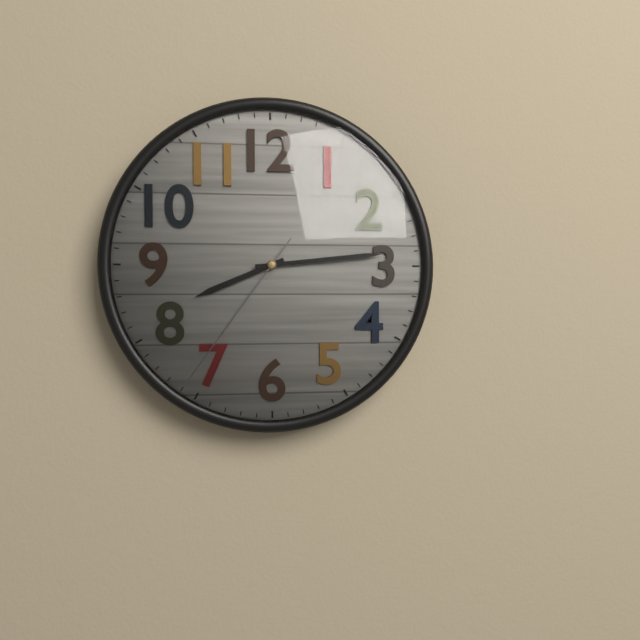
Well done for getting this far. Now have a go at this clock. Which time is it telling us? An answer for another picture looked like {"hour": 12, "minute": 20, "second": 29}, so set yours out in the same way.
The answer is {"hour": 8, "minute": 14, "second": 36}
